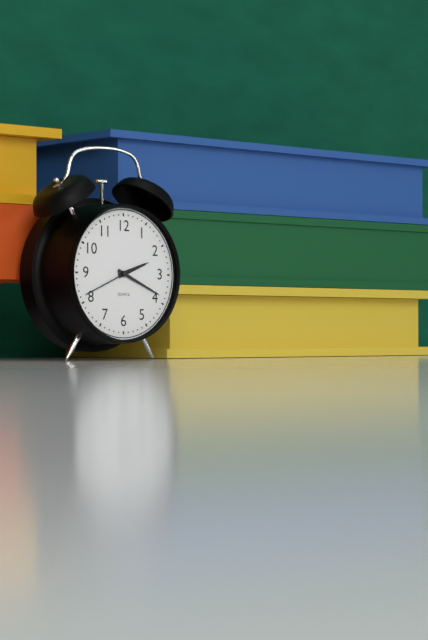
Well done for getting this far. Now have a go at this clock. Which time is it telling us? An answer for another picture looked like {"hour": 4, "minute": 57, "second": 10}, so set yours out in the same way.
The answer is {"hour": 2, "minute": 19, "second": 41}
